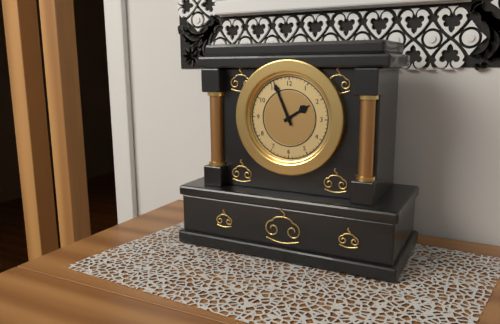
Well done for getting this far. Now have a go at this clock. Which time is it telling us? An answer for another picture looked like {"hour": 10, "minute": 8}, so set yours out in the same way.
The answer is {"hour": 1, "minute": 56}
